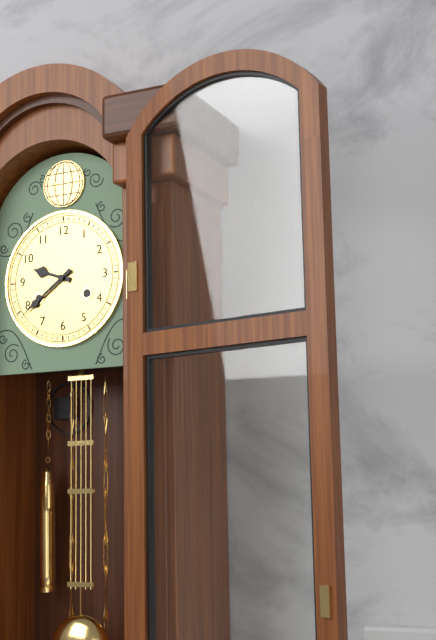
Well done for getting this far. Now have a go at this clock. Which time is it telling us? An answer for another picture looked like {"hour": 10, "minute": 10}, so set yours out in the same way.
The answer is {"hour": 9, "minute": 39}
